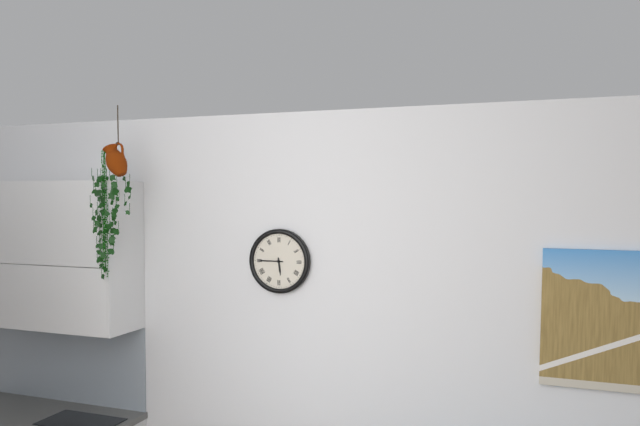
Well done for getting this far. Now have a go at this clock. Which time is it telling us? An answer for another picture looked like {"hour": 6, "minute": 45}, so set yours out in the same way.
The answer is {"hour": 5, "minute": 45}
